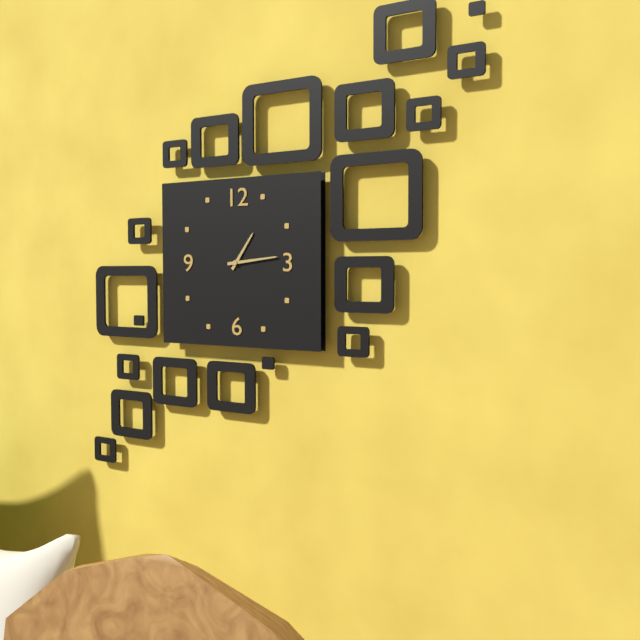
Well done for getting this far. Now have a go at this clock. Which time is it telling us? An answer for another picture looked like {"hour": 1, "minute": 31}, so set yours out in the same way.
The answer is {"hour": 1, "minute": 14}
